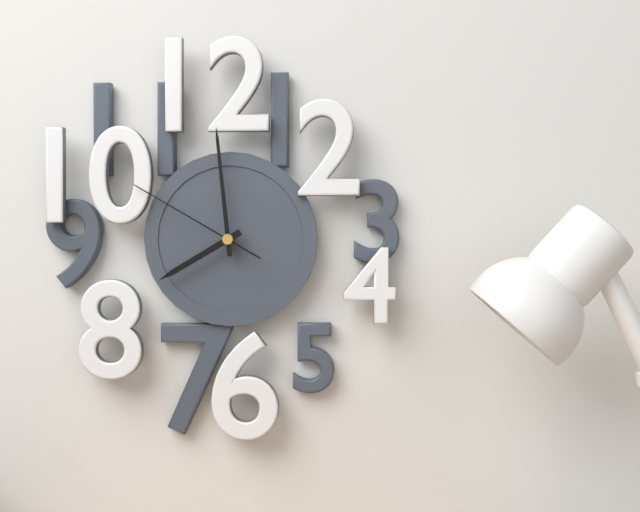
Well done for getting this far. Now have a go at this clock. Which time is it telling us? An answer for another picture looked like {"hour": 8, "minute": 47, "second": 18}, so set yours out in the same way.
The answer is {"hour": 7, "minute": 59, "second": 50}
